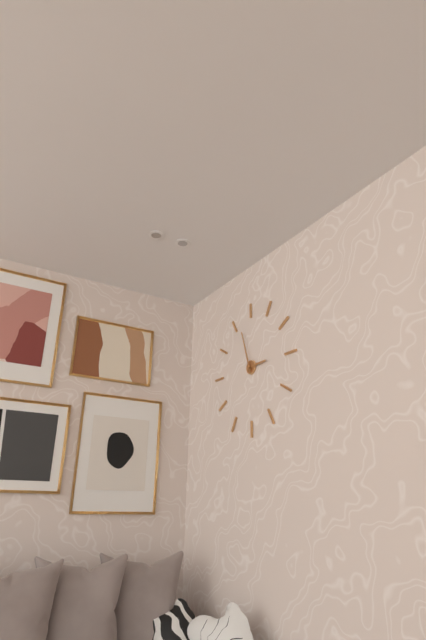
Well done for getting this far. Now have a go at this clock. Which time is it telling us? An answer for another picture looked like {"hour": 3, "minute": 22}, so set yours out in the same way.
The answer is {"hour": 2, "minute": 57}
